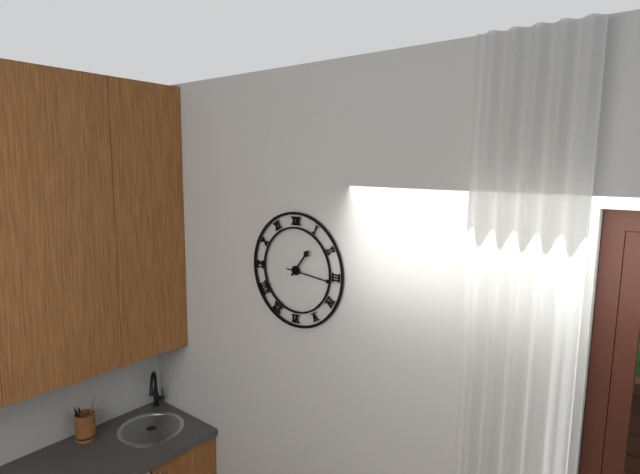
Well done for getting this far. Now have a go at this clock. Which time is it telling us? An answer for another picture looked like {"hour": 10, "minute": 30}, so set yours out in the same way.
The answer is {"hour": 1, "minute": 16}
